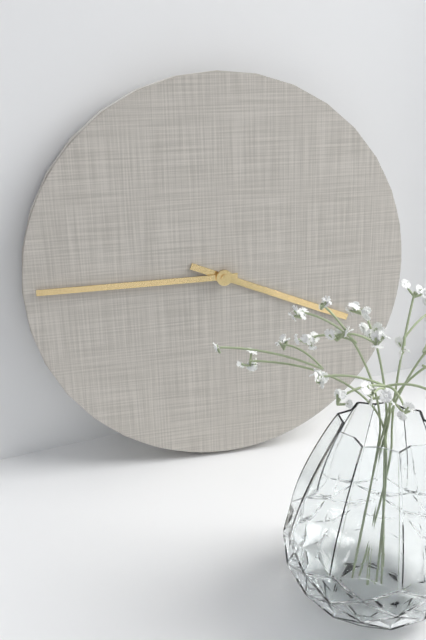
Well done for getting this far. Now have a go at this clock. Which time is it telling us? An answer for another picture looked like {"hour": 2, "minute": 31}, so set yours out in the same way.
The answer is {"hour": 3, "minute": 45}
